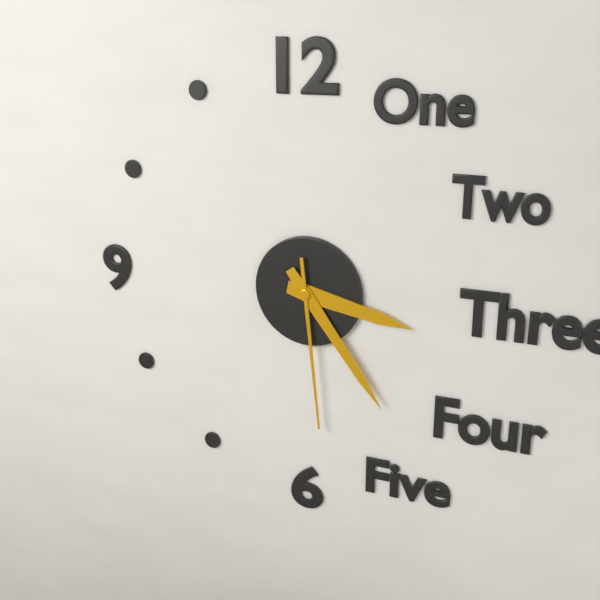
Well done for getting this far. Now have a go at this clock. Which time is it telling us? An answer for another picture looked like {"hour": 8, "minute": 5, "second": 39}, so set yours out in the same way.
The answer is {"hour": 3, "minute": 24, "second": 29}
